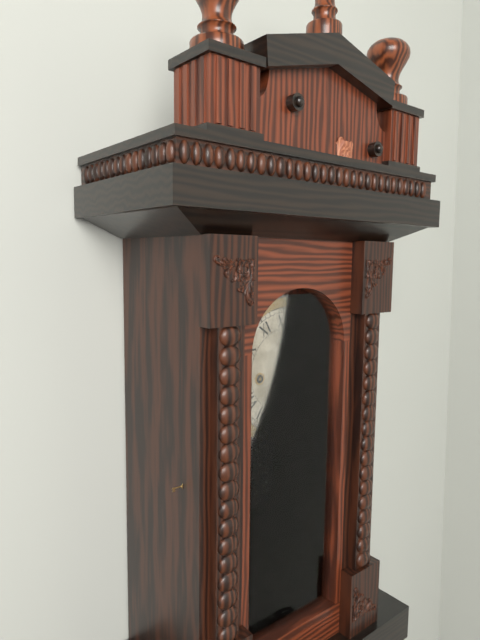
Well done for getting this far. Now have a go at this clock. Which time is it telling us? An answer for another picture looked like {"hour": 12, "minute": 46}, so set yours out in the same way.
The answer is {"hour": 5, "minute": 2}
